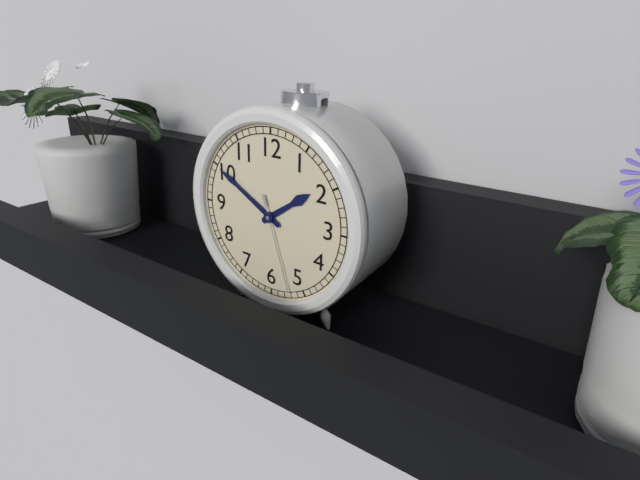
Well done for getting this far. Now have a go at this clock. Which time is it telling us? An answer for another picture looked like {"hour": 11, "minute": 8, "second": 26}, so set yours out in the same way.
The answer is {"hour": 1, "minute": 50, "second": 27}
